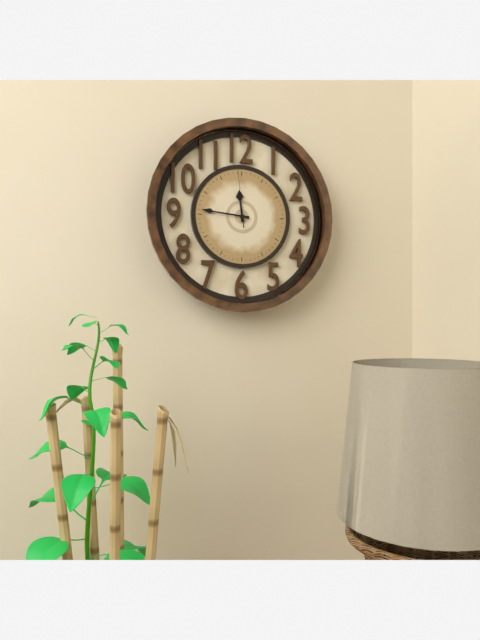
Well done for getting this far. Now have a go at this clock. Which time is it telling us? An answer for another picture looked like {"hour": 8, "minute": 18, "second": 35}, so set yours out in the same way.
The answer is {"hour": 11, "minute": 46, "second": 59}
